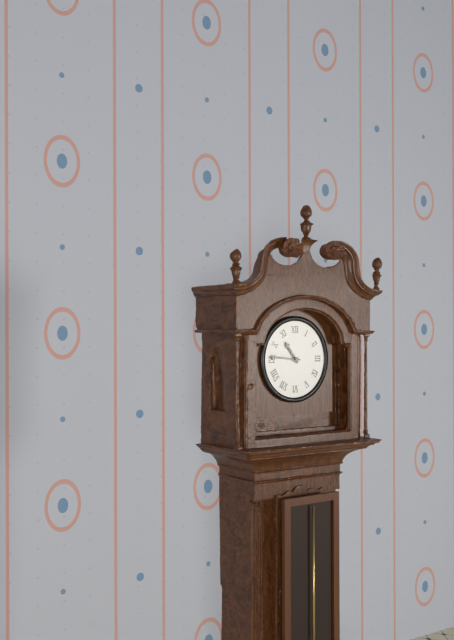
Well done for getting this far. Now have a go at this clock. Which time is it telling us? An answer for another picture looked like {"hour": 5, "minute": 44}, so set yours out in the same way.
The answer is {"hour": 10, "minute": 46}
